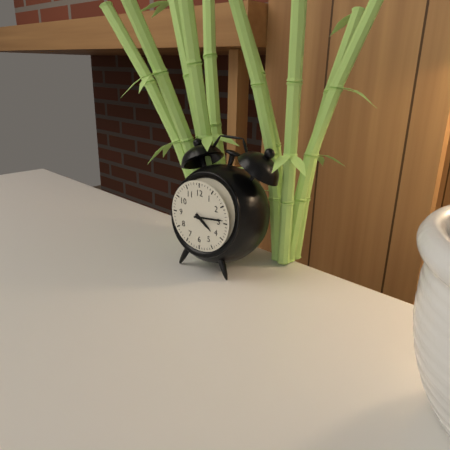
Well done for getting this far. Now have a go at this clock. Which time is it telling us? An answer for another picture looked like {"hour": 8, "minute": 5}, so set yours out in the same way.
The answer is {"hour": 4, "minute": 14}
